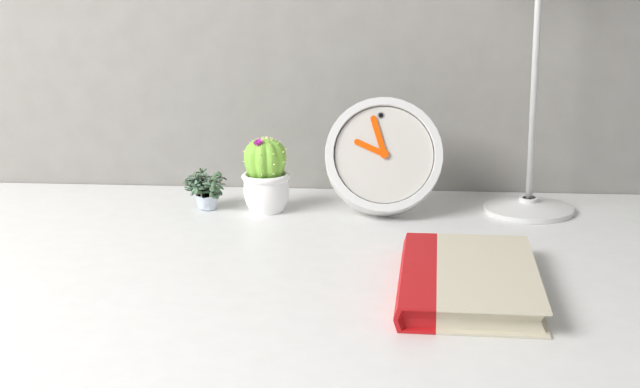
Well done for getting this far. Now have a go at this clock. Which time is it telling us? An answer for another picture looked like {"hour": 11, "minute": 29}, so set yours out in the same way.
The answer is {"hour": 9, "minute": 58}
